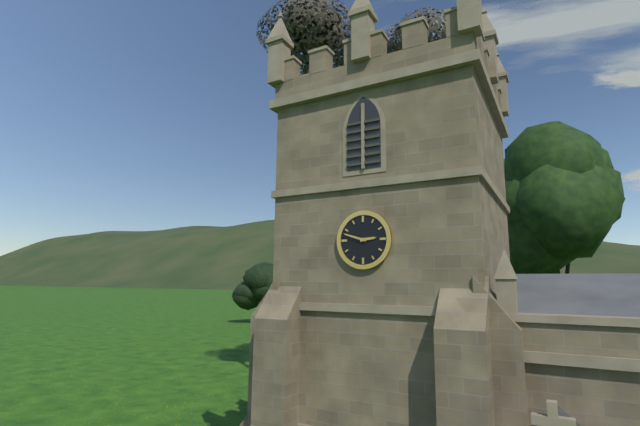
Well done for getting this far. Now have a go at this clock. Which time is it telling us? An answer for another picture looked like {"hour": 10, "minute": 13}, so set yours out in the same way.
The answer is {"hour": 2, "minute": 48}
